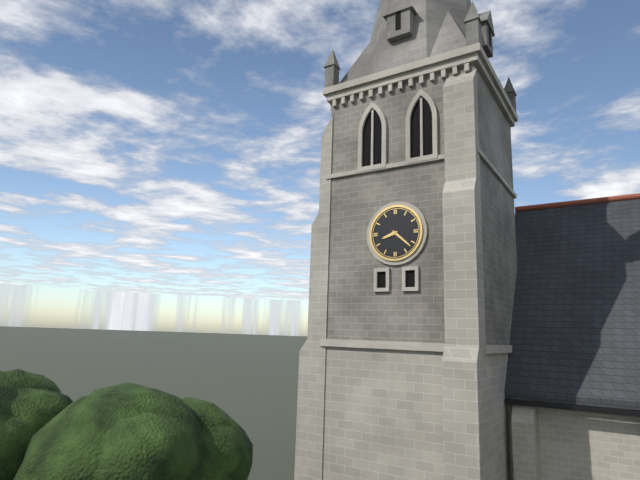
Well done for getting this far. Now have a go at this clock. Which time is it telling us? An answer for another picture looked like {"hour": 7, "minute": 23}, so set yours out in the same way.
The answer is {"hour": 8, "minute": 22}
